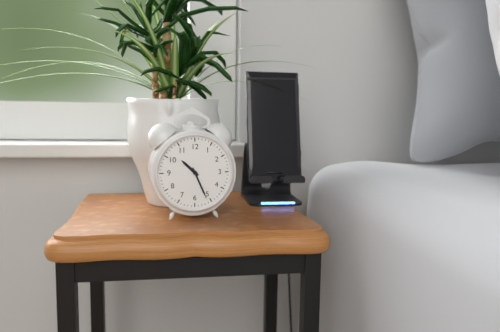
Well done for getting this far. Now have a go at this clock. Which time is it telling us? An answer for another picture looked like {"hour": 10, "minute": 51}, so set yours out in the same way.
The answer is {"hour": 10, "minute": 26}
